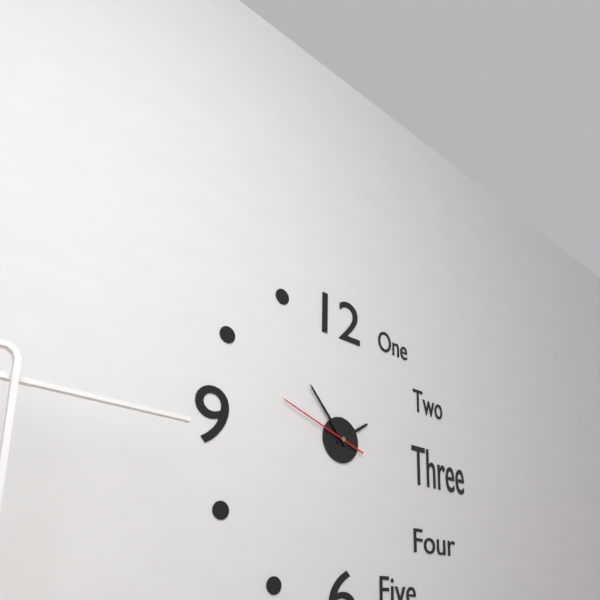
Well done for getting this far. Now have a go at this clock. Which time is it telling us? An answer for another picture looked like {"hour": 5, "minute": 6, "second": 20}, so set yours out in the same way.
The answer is {"hour": 1, "minute": 53, "second": 48}
